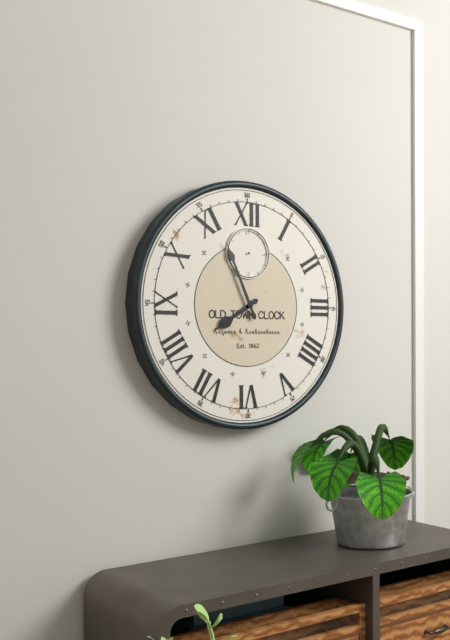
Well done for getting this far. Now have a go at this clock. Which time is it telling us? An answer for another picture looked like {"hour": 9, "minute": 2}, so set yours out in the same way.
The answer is {"hour": 7, "minute": 56}
